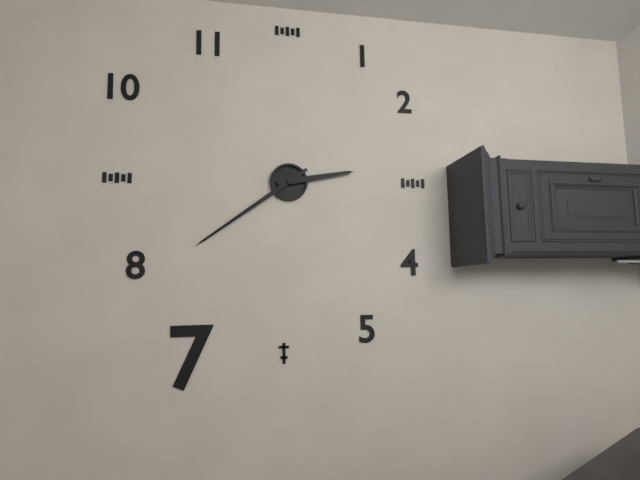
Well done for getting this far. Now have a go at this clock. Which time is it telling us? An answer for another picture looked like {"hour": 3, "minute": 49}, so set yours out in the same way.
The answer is {"hour": 2, "minute": 39}
